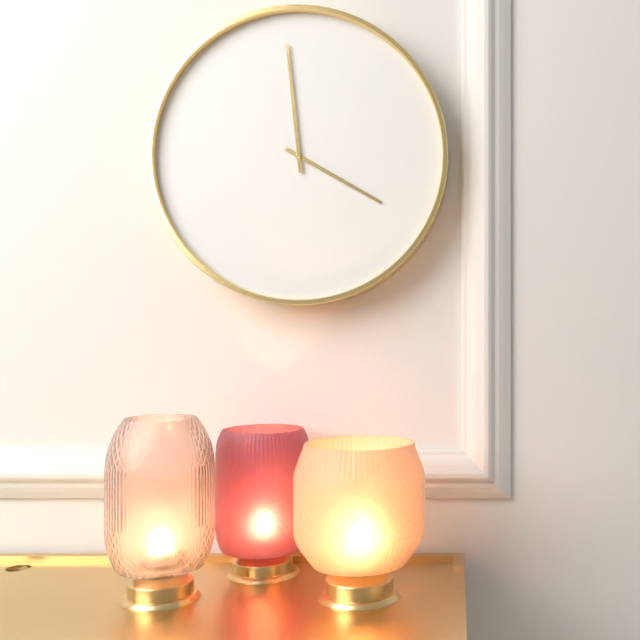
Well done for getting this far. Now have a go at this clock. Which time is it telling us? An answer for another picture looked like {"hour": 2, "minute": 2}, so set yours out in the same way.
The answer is {"hour": 3, "minute": 59}
